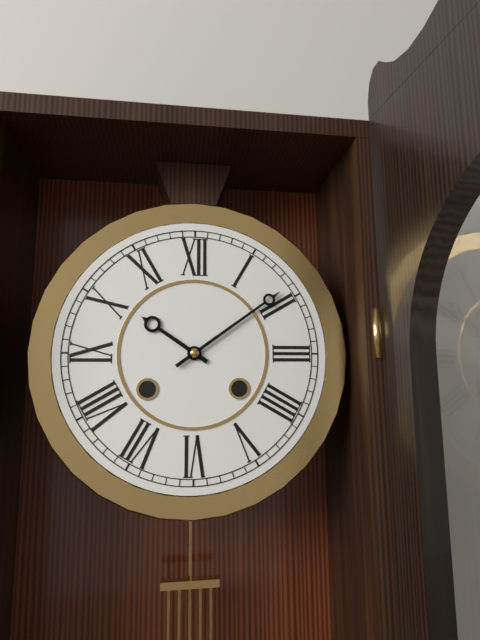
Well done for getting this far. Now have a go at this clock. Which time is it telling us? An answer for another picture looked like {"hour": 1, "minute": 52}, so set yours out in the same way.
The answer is {"hour": 10, "minute": 9}
